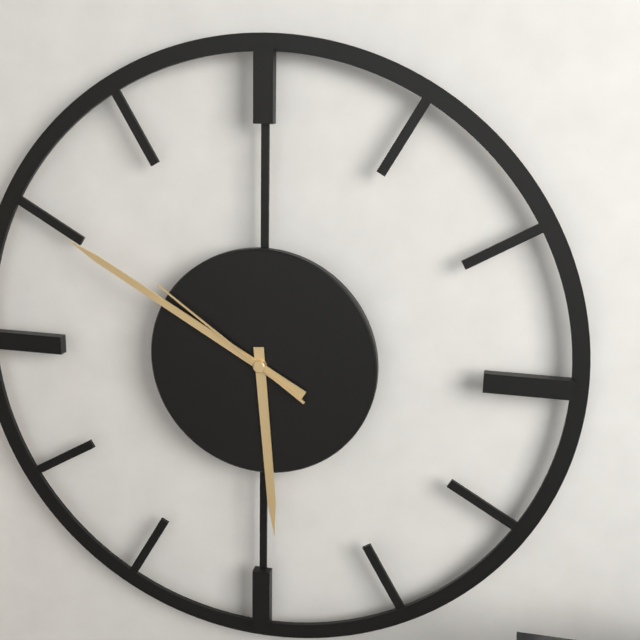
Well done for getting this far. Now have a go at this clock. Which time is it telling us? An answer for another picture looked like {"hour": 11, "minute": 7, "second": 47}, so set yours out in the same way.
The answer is {"hour": 5, "minute": 50, "second": 51}
